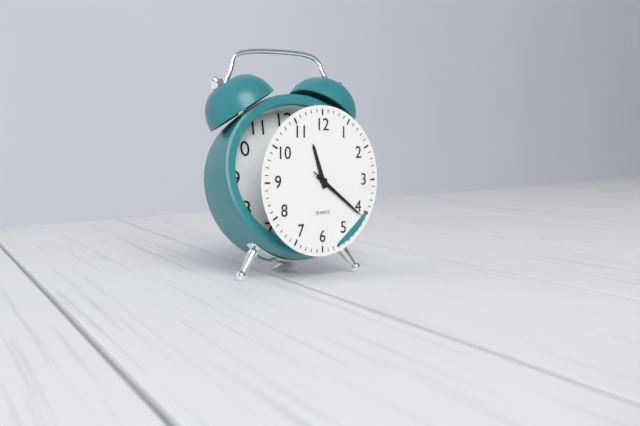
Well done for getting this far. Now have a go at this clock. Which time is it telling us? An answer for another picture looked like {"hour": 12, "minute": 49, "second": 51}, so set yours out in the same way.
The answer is {"hour": 11, "minute": 21, "second": 21}
